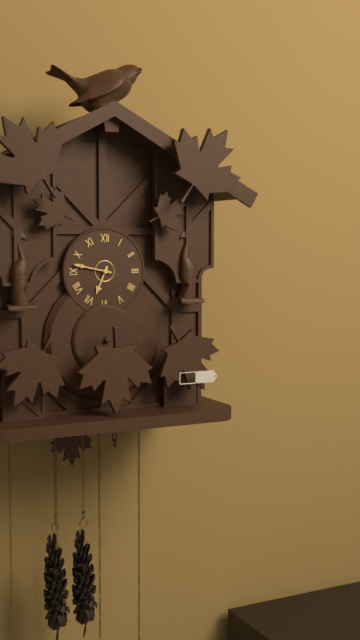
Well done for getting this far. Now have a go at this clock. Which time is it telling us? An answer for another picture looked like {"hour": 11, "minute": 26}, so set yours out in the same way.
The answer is {"hour": 6, "minute": 47}
